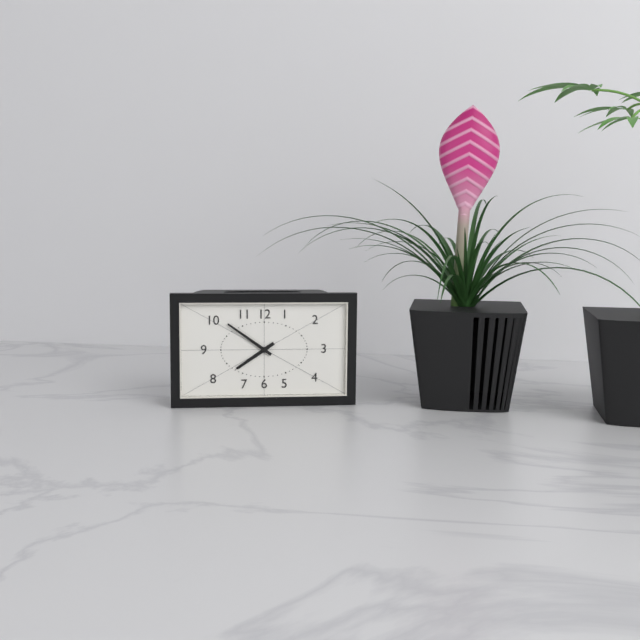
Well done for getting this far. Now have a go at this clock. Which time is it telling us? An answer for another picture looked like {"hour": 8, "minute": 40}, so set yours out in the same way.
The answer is {"hour": 7, "minute": 51}
